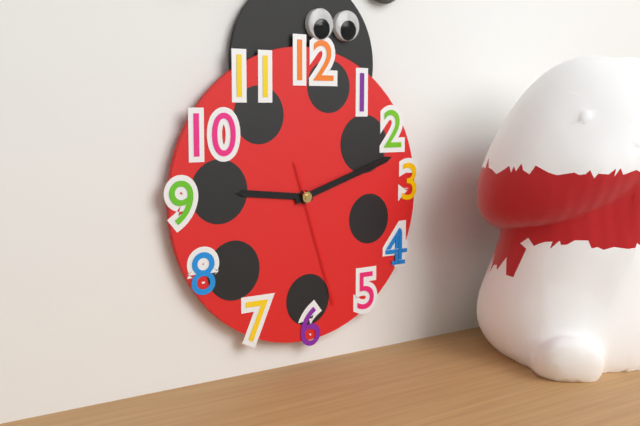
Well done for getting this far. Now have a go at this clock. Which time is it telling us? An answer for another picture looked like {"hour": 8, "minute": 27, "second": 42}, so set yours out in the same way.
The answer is {"hour": 9, "minute": 12, "second": 27}
